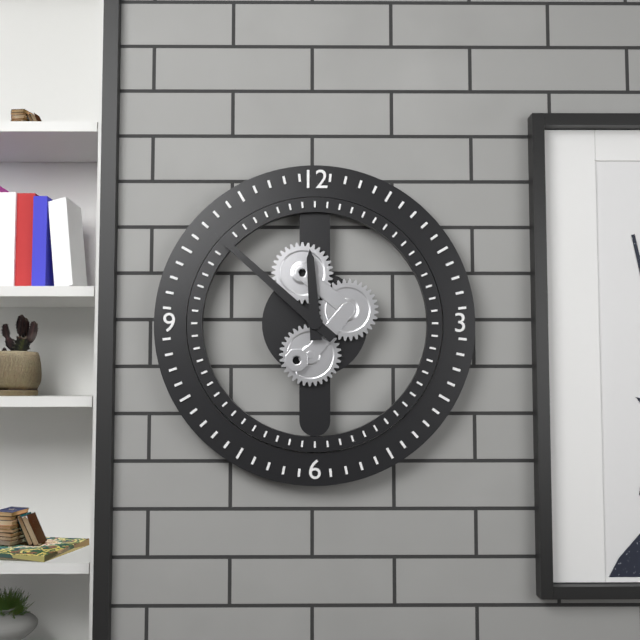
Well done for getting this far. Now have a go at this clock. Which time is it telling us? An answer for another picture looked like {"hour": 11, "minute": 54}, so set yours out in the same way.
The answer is {"hour": 11, "minute": 52}
